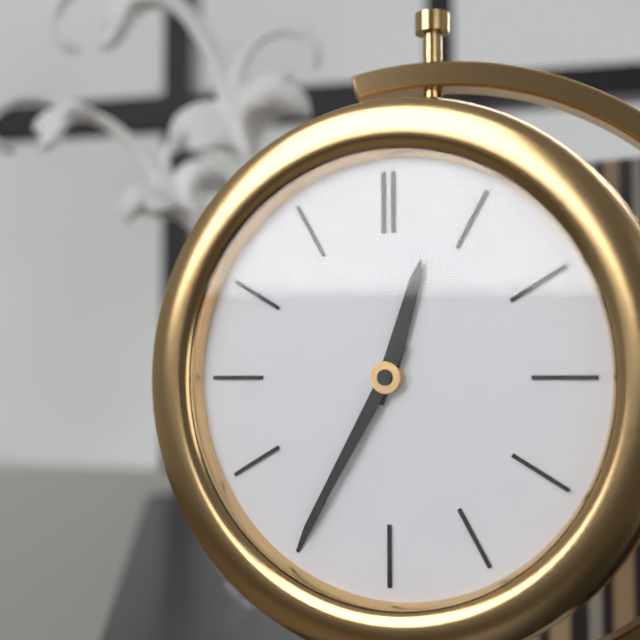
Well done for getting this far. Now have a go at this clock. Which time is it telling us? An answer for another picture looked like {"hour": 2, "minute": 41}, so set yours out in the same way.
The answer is {"hour": 12, "minute": 35}
